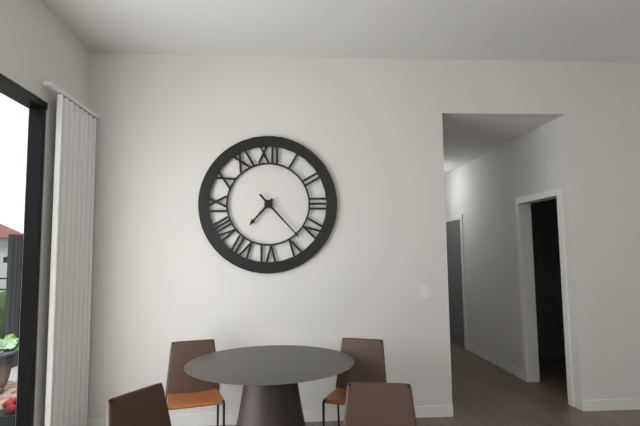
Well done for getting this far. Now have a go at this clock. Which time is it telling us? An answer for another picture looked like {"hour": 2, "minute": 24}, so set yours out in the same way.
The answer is {"hour": 7, "minute": 23}
